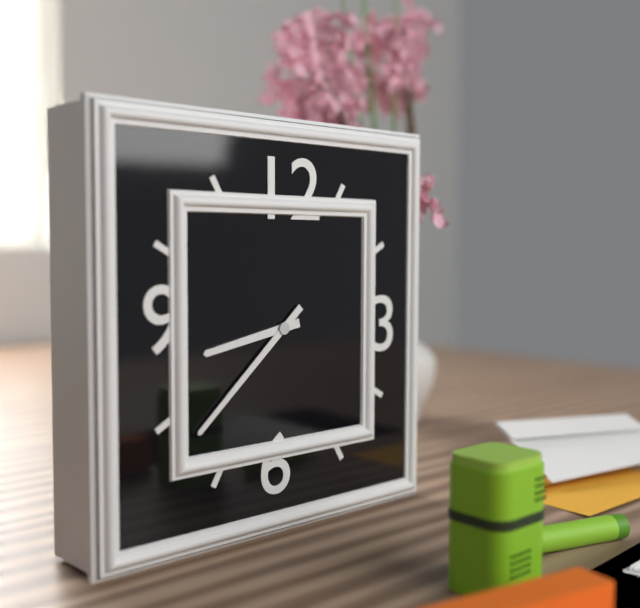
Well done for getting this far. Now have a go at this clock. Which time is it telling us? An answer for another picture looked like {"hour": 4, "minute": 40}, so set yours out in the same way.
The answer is {"hour": 8, "minute": 38}
